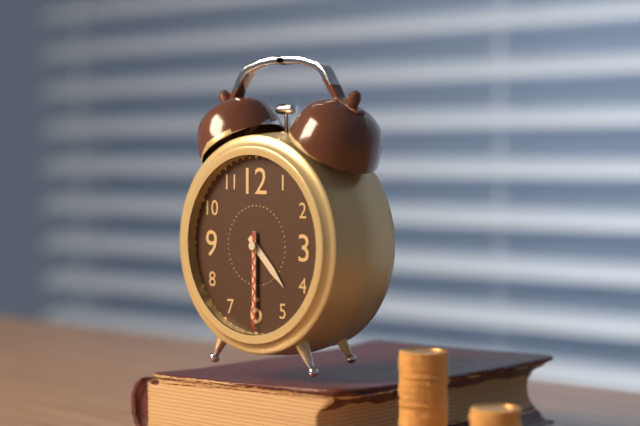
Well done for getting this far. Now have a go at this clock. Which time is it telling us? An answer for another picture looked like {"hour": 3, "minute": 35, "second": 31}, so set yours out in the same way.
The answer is {"hour": 4, "minute": 30, "second": 30}
